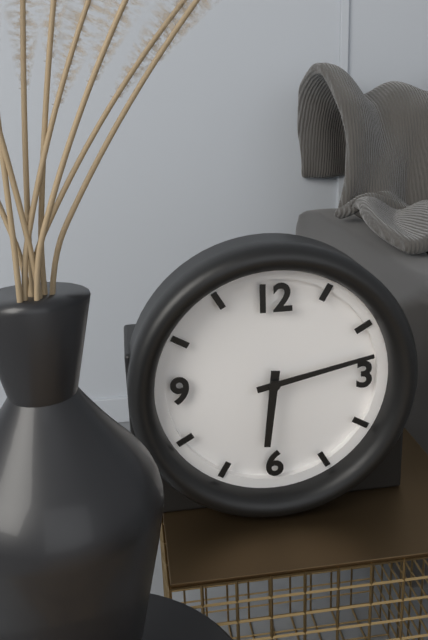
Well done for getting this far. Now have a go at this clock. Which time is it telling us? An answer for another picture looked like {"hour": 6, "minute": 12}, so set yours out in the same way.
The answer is {"hour": 6, "minute": 13}
